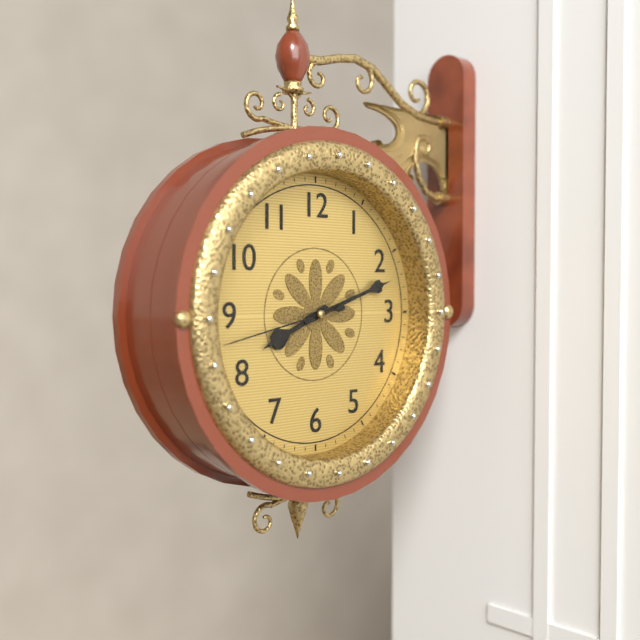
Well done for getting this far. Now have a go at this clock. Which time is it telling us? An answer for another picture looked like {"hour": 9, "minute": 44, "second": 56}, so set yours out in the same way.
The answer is {"hour": 8, "minute": 12, "second": 43}
